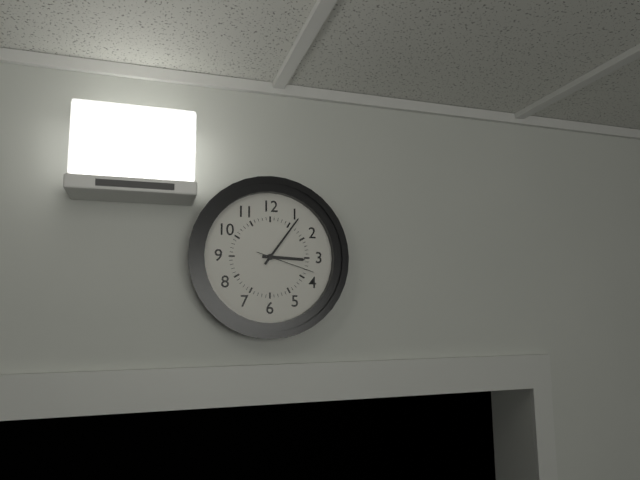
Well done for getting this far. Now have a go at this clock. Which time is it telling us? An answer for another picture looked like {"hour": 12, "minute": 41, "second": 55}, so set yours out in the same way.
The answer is {"hour": 3, "minute": 6, "second": 18}
